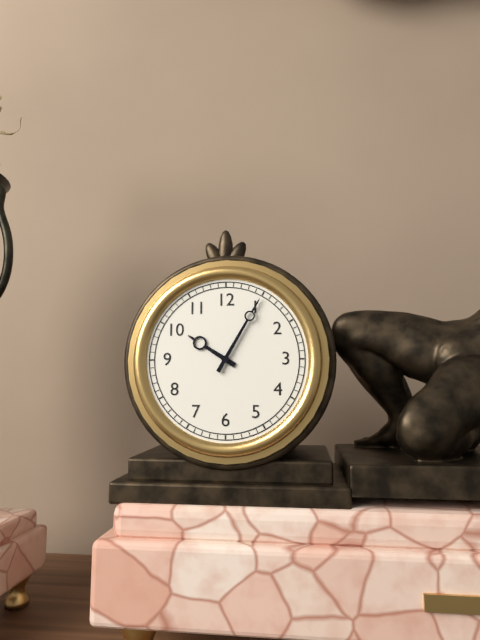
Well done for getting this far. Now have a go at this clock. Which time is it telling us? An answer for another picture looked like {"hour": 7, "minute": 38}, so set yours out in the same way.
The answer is {"hour": 10, "minute": 5}
